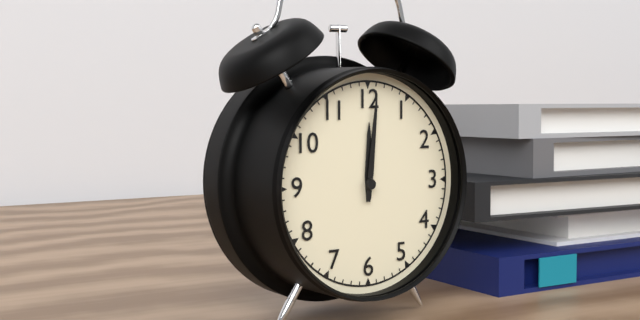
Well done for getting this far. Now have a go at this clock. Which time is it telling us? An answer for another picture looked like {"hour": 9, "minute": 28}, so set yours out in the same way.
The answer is {"hour": 12, "minute": 1}
